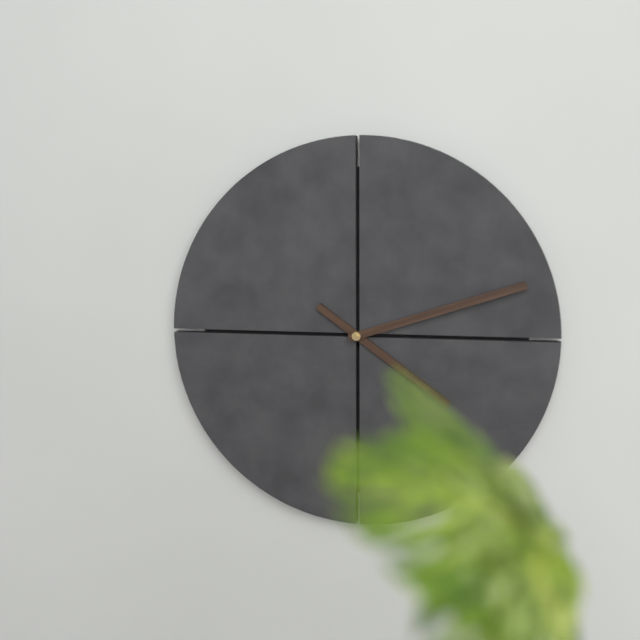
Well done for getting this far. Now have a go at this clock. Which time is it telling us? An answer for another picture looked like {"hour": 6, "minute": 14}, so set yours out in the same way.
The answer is {"hour": 4, "minute": 12}
